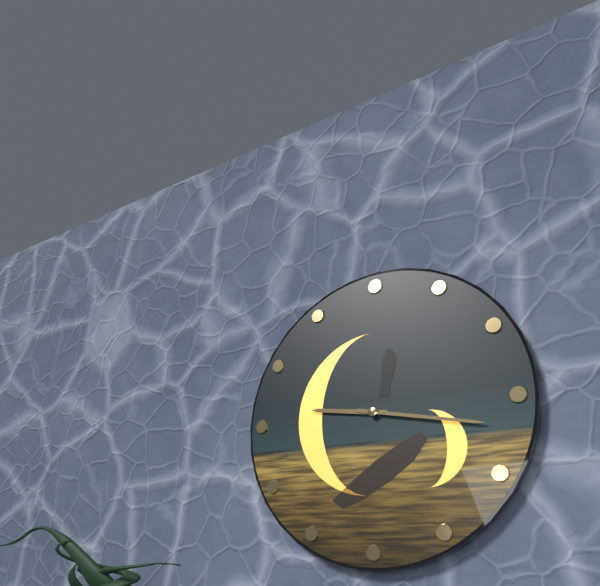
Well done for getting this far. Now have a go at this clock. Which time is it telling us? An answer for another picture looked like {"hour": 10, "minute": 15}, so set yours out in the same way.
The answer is {"hour": 9, "minute": 17}
